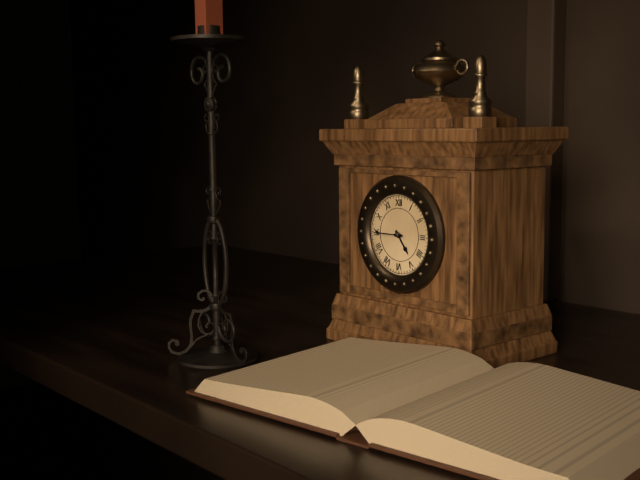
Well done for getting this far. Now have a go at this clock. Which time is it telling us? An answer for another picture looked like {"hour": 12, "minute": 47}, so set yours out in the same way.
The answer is {"hour": 4, "minute": 45}
